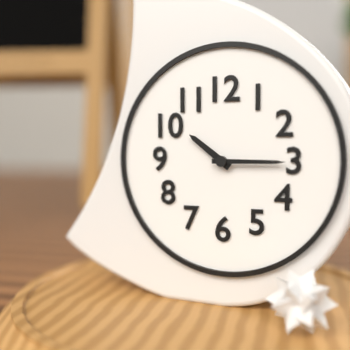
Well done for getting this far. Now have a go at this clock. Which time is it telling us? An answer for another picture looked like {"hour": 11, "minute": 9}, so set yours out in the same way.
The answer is {"hour": 10, "minute": 15}
